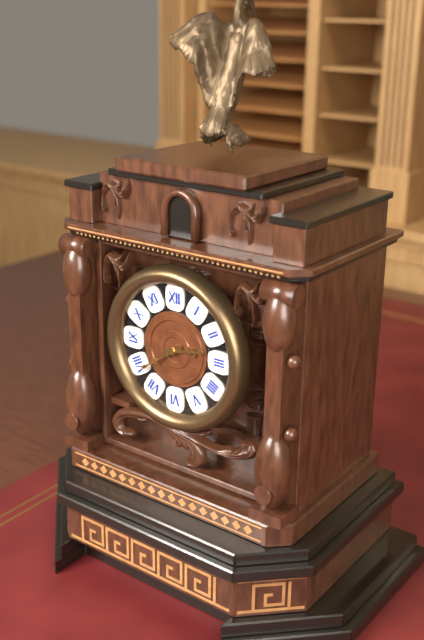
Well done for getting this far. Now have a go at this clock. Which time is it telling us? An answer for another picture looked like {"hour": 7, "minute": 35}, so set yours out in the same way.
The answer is {"hour": 2, "minute": 39}
